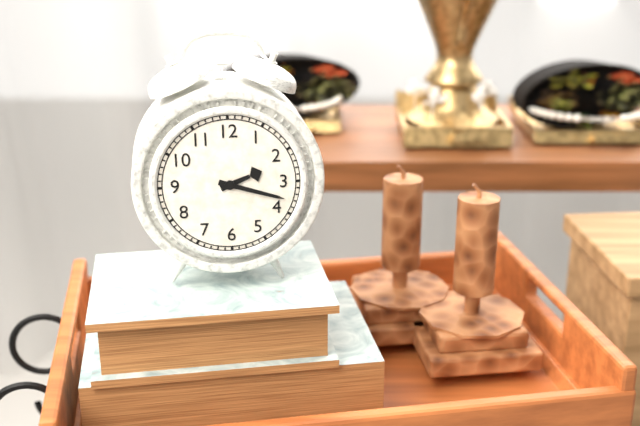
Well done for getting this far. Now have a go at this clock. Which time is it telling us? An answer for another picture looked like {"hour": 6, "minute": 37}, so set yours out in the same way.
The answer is {"hour": 2, "minute": 18}
